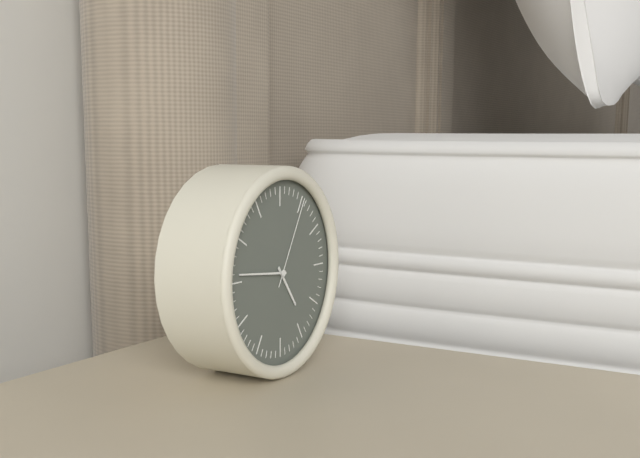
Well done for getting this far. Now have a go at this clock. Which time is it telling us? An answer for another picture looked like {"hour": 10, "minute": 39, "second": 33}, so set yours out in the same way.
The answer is {"hour": 4, "minute": 46, "second": 5}
